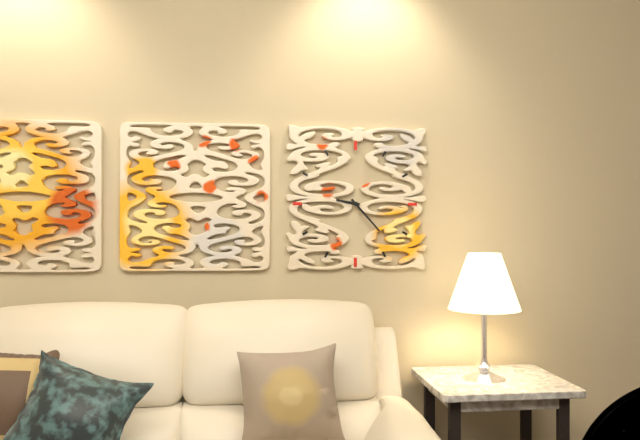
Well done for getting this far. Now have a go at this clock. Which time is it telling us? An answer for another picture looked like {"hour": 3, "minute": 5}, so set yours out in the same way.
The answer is {"hour": 9, "minute": 23}
